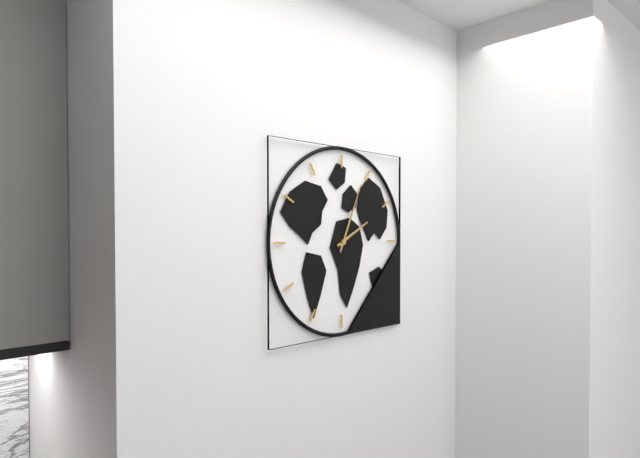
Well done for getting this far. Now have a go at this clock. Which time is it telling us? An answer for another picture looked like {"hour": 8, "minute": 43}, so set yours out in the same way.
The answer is {"hour": 2, "minute": 4}
